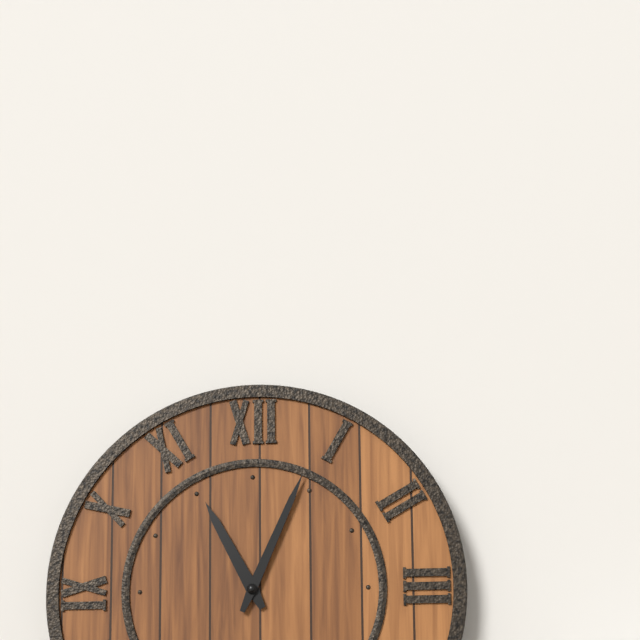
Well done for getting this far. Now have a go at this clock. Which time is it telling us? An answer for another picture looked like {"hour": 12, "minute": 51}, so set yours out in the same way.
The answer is {"hour": 11, "minute": 4}
